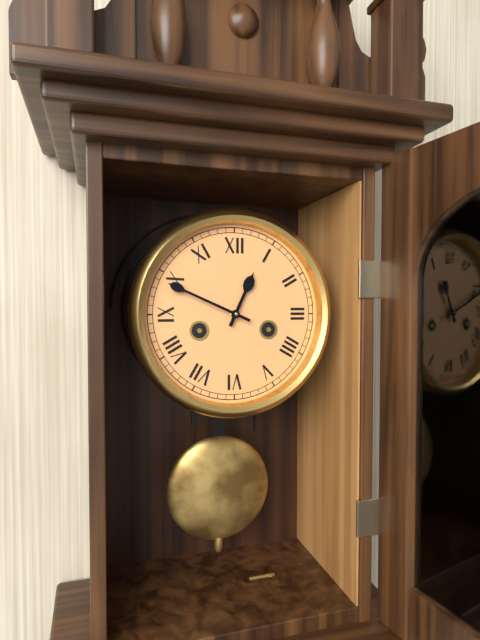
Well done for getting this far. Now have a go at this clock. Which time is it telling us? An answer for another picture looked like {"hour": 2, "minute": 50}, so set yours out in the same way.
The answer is {"hour": 12, "minute": 49}
